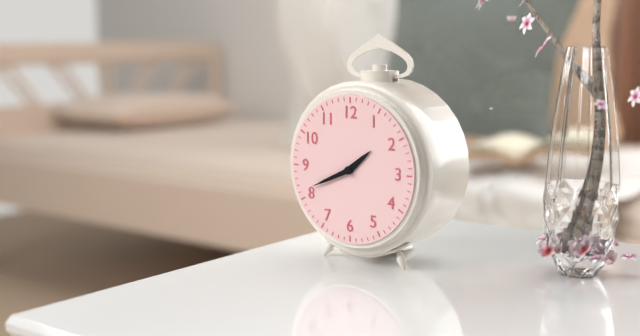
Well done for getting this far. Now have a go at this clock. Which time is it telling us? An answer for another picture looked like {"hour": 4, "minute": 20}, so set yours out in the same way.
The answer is {"hour": 1, "minute": 41}
